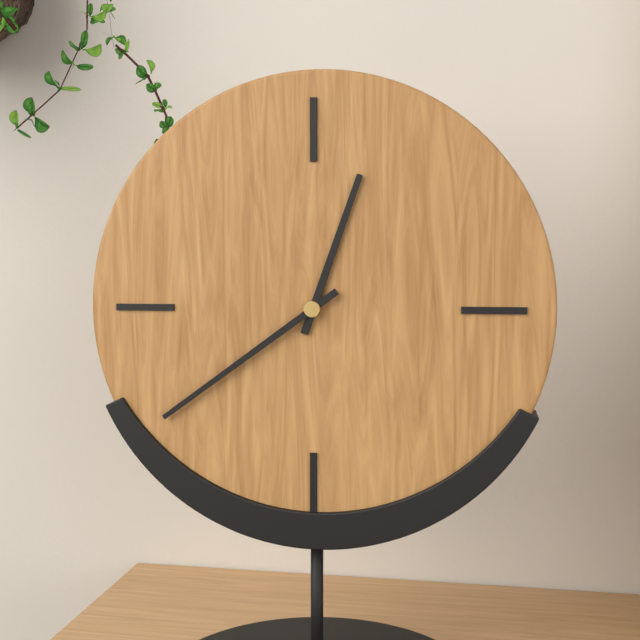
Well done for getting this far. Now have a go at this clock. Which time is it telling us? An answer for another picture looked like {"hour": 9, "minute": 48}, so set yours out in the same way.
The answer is {"hour": 12, "minute": 39}
